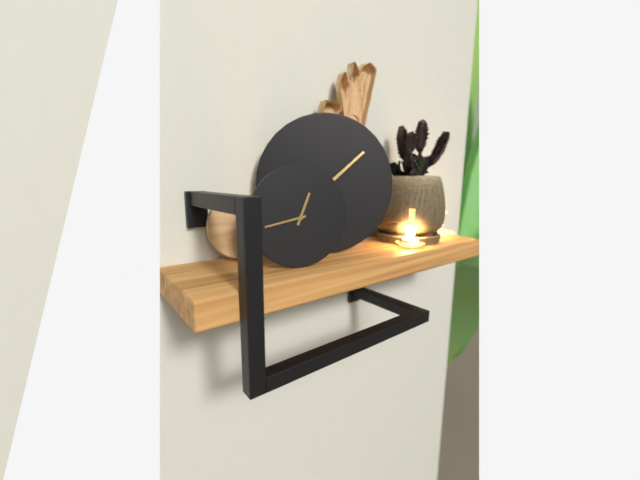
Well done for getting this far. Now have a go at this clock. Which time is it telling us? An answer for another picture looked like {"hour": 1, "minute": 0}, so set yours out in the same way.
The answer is {"hour": 12, "minute": 43}
